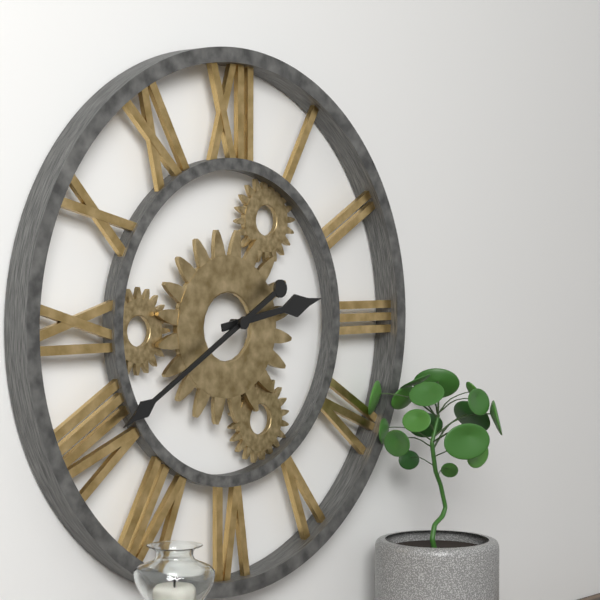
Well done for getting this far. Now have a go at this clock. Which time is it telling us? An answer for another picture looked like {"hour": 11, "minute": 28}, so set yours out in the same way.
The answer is {"hour": 2, "minute": 40}
